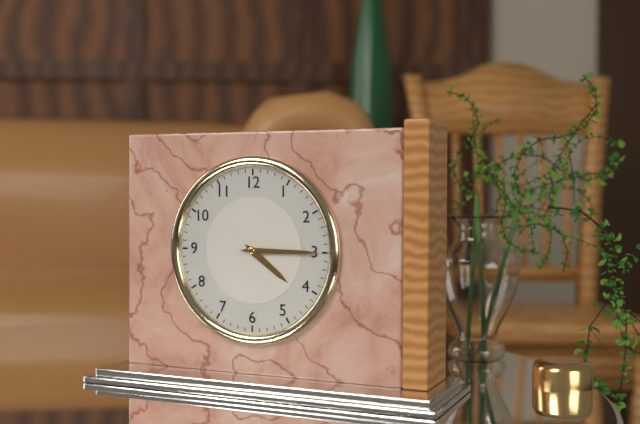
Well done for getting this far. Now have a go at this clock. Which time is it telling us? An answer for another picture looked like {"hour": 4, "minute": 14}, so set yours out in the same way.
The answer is {"hour": 4, "minute": 15}
